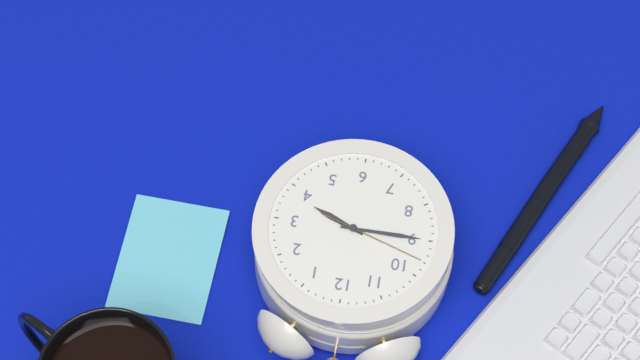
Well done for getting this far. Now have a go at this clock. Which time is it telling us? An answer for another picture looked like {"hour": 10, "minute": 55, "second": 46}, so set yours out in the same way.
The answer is {"hour": 3, "minute": 45, "second": 48}
